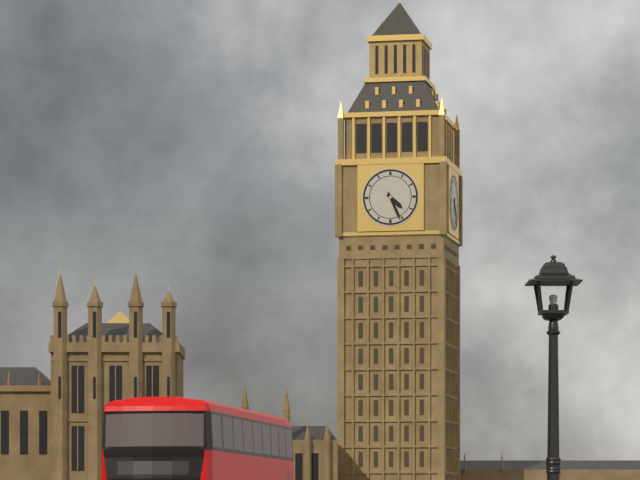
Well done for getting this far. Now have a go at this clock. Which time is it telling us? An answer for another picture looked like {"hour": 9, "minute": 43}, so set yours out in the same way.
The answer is {"hour": 4, "minute": 26}
